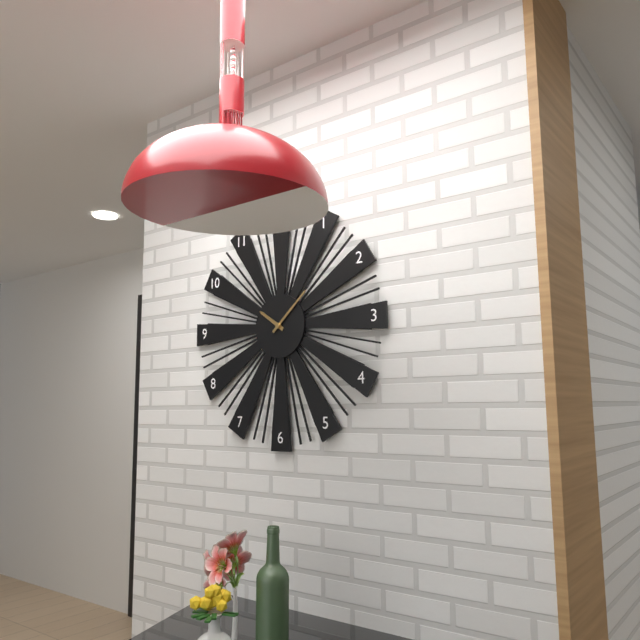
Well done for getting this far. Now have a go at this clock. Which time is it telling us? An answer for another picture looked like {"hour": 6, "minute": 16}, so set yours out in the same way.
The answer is {"hour": 10, "minute": 8}
